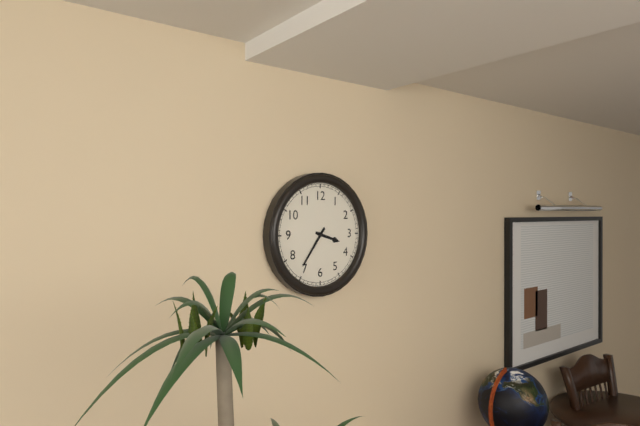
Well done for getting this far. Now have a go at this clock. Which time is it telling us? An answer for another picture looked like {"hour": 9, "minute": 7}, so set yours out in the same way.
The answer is {"hour": 3, "minute": 36}
